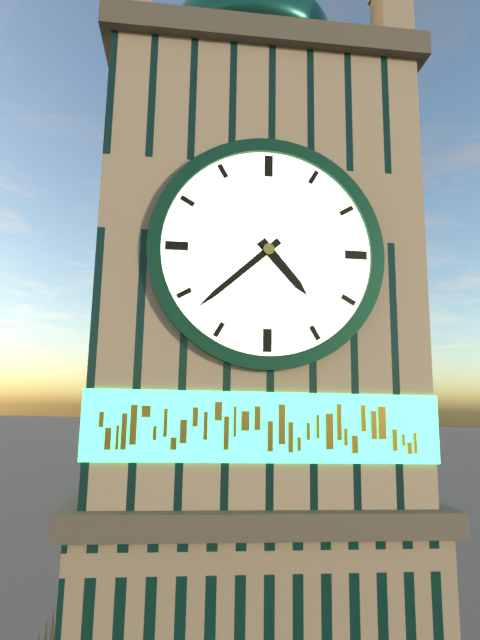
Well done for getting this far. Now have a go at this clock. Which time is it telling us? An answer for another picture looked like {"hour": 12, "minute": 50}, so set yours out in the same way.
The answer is {"hour": 4, "minute": 38}
